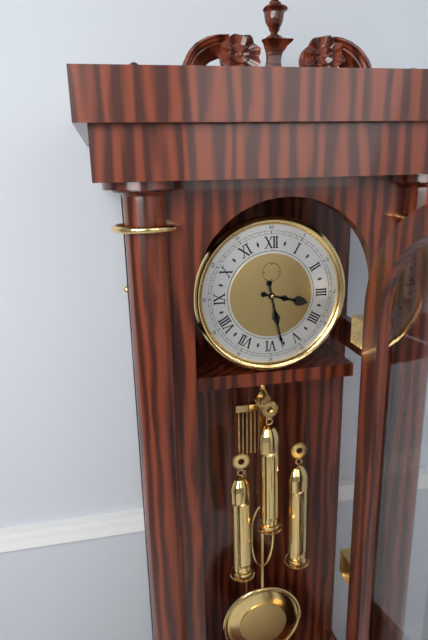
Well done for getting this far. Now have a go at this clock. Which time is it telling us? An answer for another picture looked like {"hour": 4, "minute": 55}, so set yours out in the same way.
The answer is {"hour": 3, "minute": 28}
